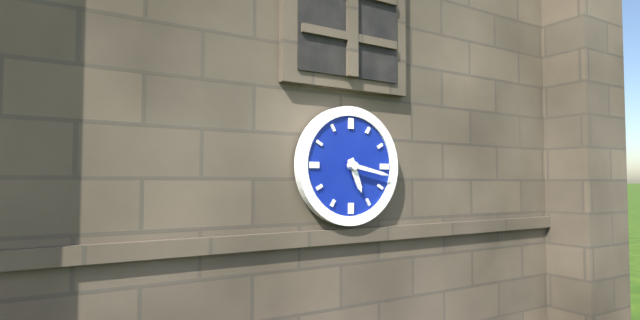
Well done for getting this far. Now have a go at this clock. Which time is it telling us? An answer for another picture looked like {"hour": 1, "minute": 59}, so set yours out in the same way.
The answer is {"hour": 5, "minute": 17}
